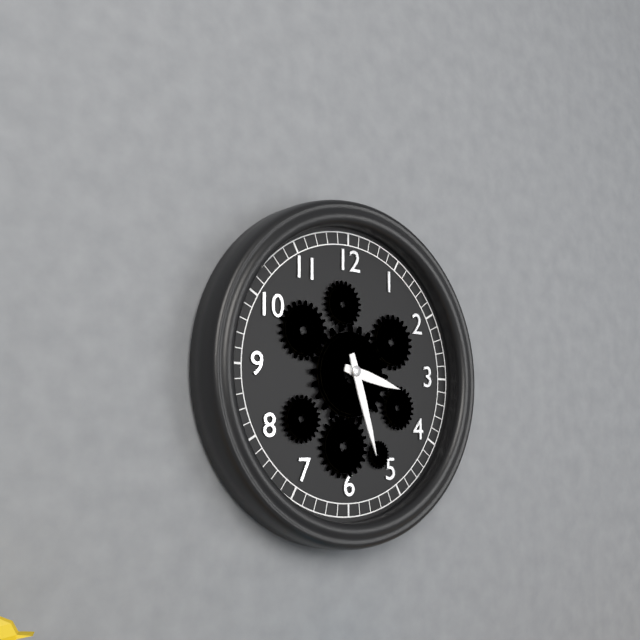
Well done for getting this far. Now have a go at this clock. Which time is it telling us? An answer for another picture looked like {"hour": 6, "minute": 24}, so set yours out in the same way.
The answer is {"hour": 3, "minute": 27}
